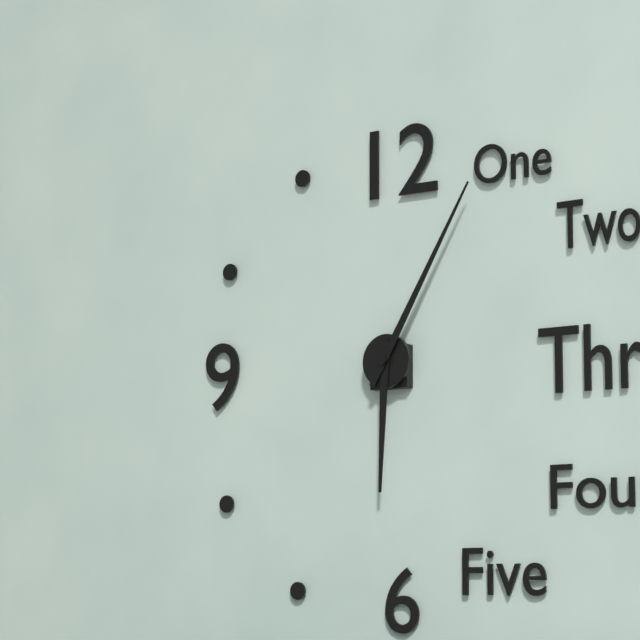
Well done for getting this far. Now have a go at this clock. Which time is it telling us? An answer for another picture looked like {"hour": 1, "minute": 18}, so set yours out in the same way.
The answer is {"hour": 6, "minute": 5}
